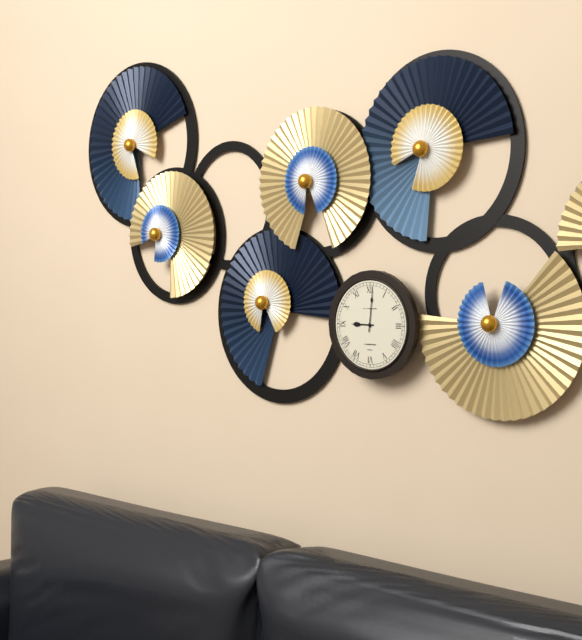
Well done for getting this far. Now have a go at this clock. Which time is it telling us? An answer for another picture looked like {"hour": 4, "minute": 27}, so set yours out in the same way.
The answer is {"hour": 9, "minute": 1}
